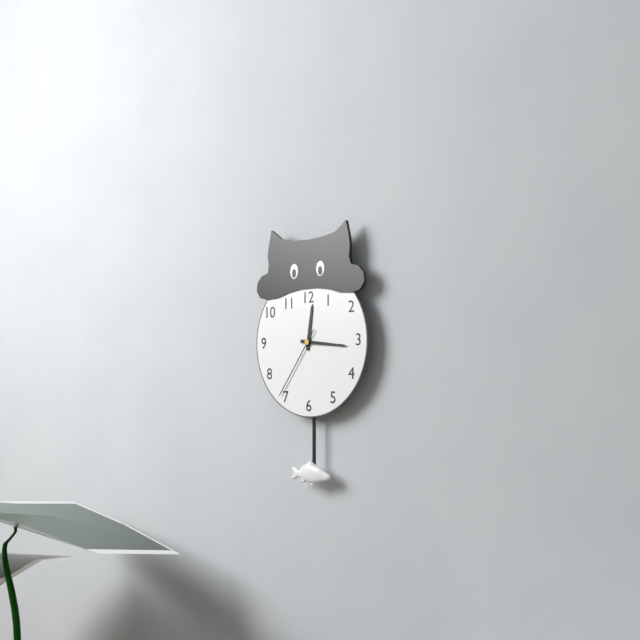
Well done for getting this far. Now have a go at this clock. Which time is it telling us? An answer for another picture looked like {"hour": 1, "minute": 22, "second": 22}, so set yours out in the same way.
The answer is {"hour": 12, "minute": 16, "second": 36}
